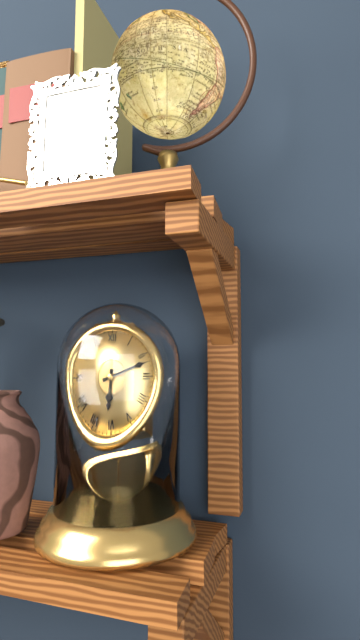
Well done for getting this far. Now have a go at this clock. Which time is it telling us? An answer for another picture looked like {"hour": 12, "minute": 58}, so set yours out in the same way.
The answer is {"hour": 6, "minute": 12}
